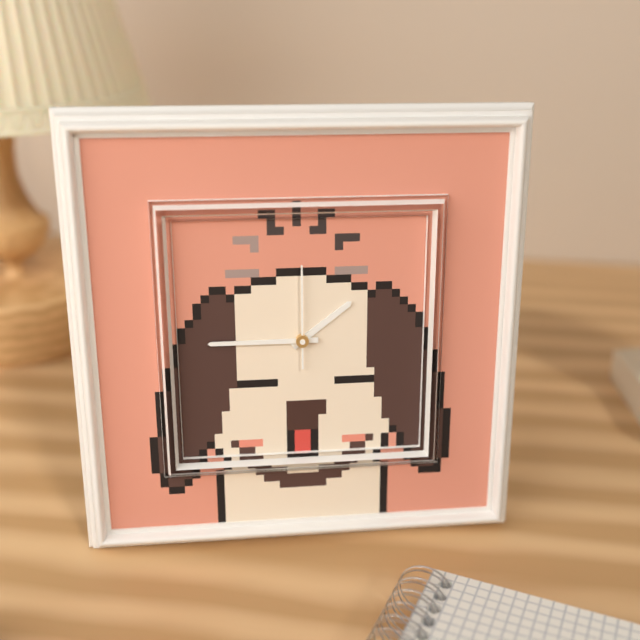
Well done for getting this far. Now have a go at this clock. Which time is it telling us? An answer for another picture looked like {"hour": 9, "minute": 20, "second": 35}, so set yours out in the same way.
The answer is {"hour": 1, "minute": 45, "second": 0}
